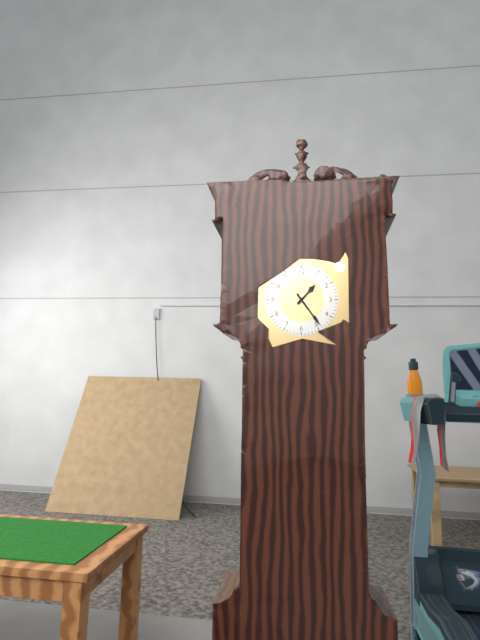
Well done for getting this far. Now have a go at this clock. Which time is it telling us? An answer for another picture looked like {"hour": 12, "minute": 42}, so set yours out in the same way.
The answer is {"hour": 1, "minute": 24}
